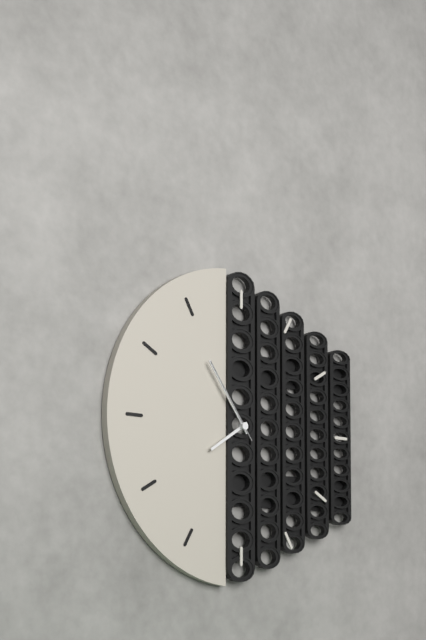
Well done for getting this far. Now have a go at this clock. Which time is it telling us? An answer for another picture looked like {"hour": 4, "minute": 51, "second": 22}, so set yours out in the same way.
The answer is {"hour": 7, "minute": 54, "second": 54}
